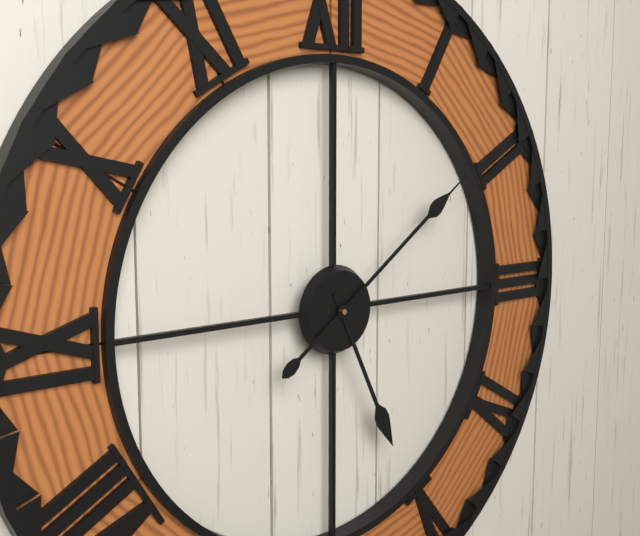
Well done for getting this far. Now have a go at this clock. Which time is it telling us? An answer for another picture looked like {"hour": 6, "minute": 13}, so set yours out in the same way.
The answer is {"hour": 5, "minute": 9}
